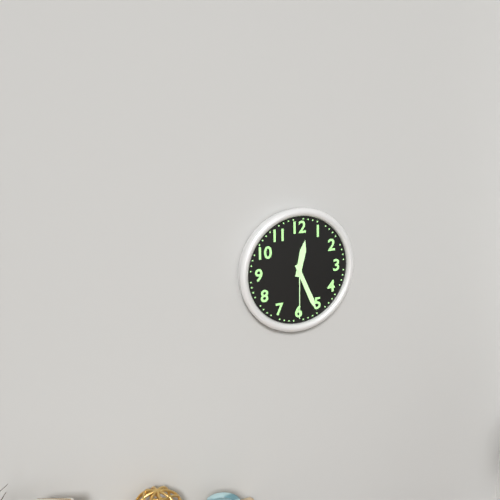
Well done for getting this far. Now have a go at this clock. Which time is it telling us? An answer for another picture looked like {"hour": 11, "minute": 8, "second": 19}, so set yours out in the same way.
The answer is {"hour": 12, "minute": 26, "second": 30}
